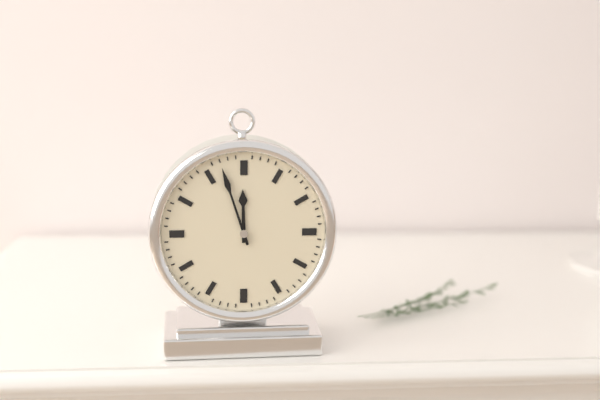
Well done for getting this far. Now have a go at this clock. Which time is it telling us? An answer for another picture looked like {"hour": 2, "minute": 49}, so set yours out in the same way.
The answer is {"hour": 11, "minute": 57}
